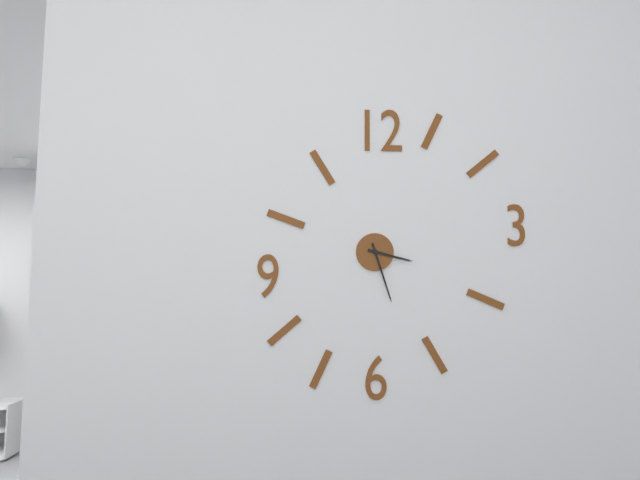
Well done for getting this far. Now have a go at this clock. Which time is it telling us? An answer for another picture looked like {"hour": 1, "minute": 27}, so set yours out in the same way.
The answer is {"hour": 3, "minute": 27}
